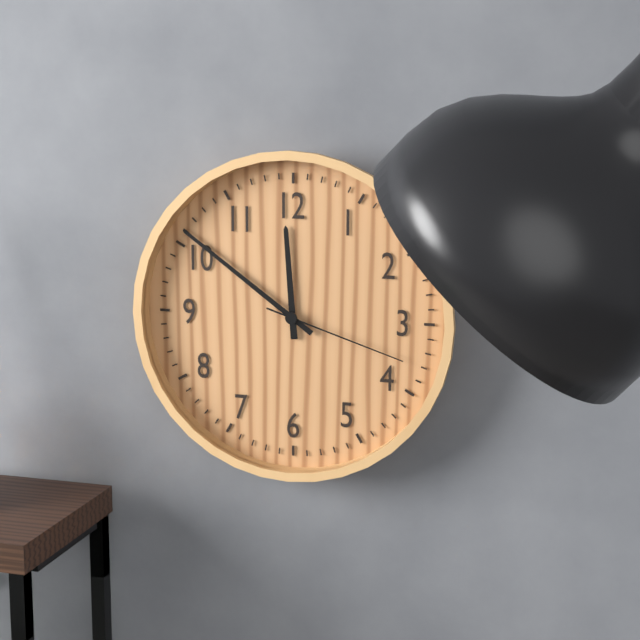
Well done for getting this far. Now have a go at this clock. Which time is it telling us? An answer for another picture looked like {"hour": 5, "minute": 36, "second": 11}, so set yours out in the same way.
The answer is {"hour": 11, "minute": 51, "second": 18}
